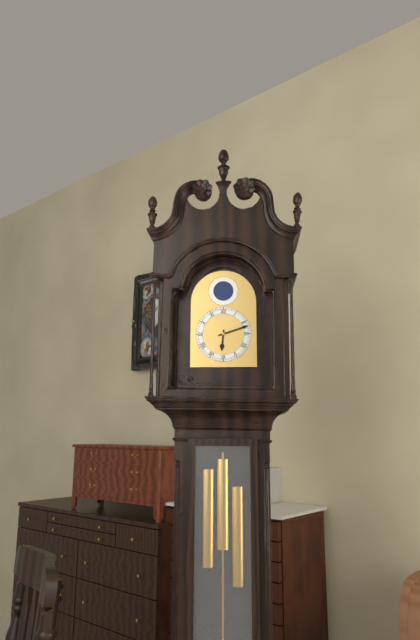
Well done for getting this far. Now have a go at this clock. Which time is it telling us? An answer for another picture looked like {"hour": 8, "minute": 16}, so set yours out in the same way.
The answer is {"hour": 6, "minute": 12}
